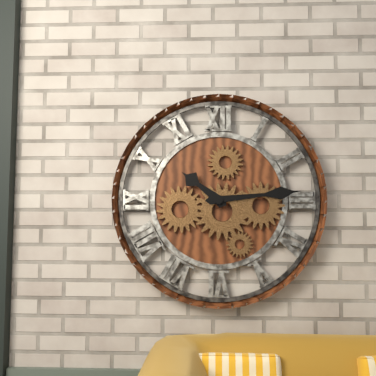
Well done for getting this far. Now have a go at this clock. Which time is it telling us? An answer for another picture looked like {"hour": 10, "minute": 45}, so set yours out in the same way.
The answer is {"hour": 10, "minute": 14}
